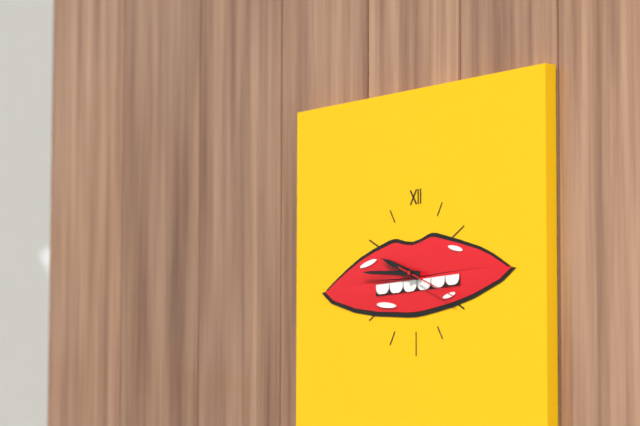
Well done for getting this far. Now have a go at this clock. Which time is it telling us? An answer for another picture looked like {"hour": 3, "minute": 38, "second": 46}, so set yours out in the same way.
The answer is {"hour": 9, "minute": 46, "second": 19}
